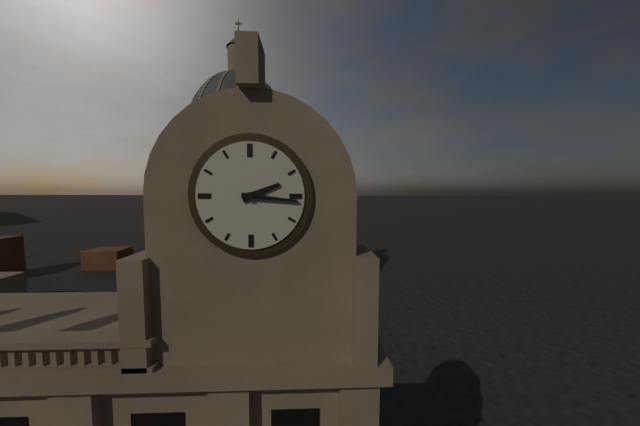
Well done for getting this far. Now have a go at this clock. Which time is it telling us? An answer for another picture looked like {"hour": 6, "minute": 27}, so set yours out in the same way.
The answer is {"hour": 2, "minute": 16}
